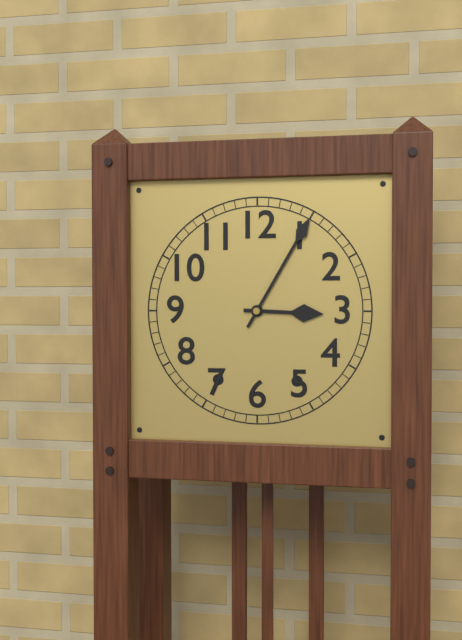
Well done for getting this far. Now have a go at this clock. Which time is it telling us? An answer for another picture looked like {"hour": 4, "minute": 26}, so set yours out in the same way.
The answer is {"hour": 3, "minute": 5}
